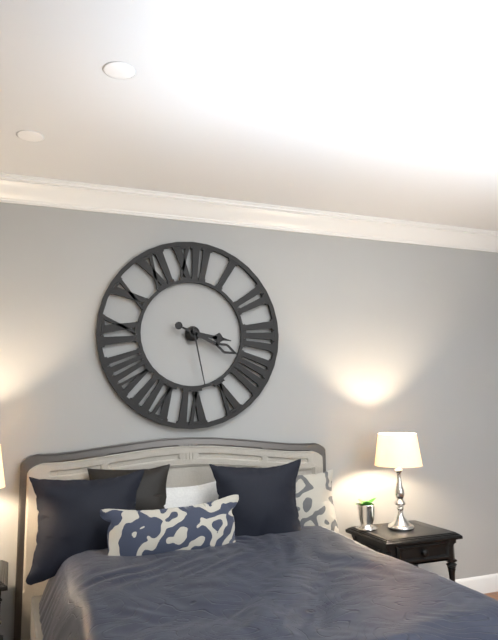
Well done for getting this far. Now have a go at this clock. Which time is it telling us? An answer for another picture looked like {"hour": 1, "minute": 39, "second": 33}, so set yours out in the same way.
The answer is {"hour": 3, "minute": 19, "second": 28}
